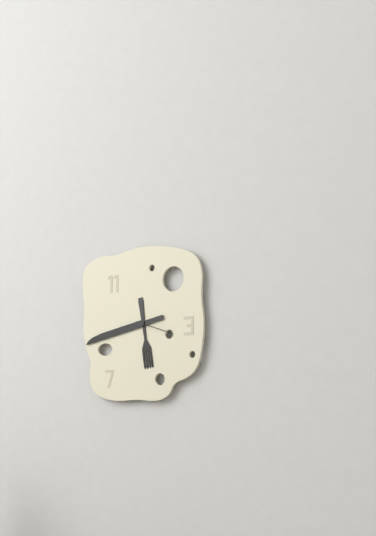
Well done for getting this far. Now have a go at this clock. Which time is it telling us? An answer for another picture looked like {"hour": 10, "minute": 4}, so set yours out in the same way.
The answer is {"hour": 5, "minute": 43}
